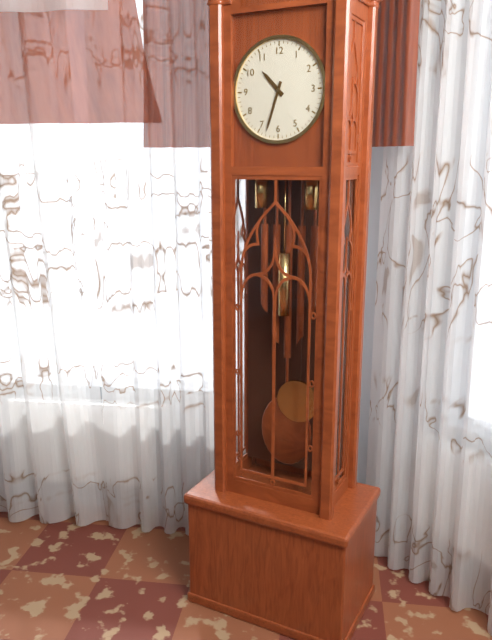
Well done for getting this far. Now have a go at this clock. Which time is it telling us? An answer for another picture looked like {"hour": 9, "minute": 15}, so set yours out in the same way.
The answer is {"hour": 10, "minute": 33}
